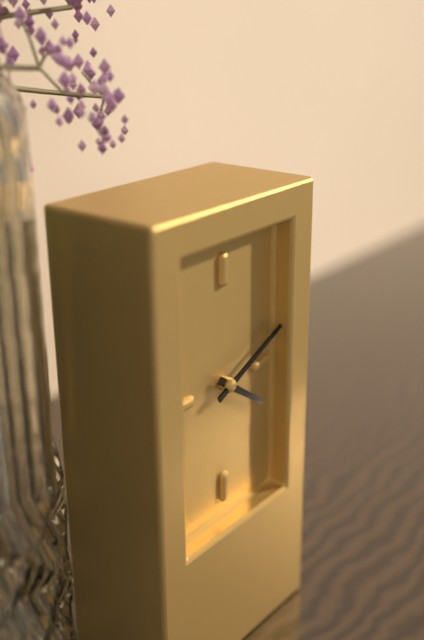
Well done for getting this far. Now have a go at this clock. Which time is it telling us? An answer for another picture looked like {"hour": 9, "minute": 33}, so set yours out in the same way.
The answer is {"hour": 4, "minute": 11}
